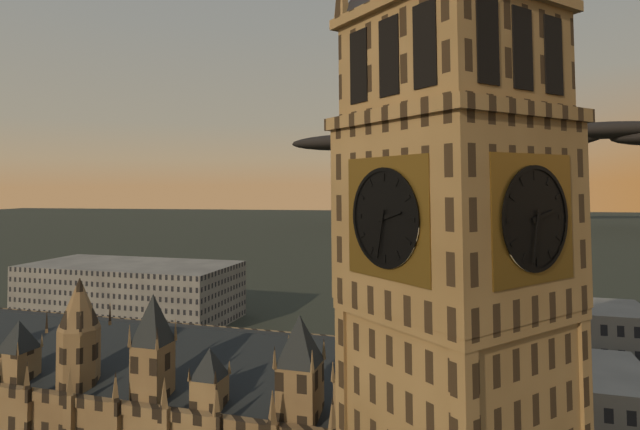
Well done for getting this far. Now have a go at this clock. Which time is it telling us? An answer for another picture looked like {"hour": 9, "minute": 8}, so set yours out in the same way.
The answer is {"hour": 2, "minute": 32}
